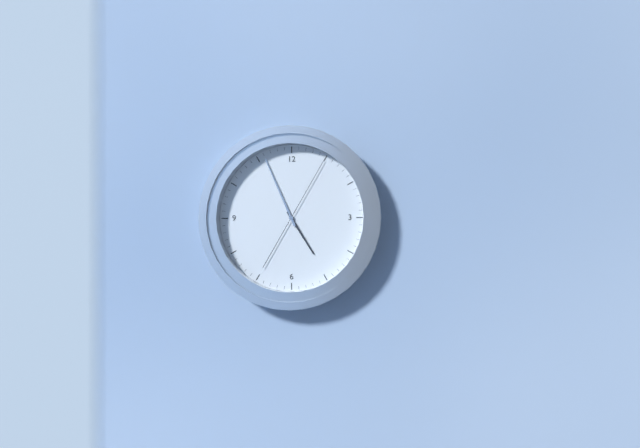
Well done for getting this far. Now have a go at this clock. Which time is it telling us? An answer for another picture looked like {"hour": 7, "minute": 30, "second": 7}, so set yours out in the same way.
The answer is {"hour": 4, "minute": 56, "second": 5}
